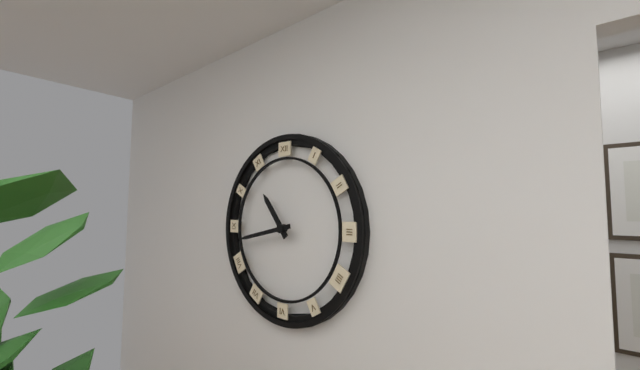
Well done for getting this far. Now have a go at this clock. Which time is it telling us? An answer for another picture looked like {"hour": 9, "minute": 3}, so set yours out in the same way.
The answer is {"hour": 10, "minute": 43}
